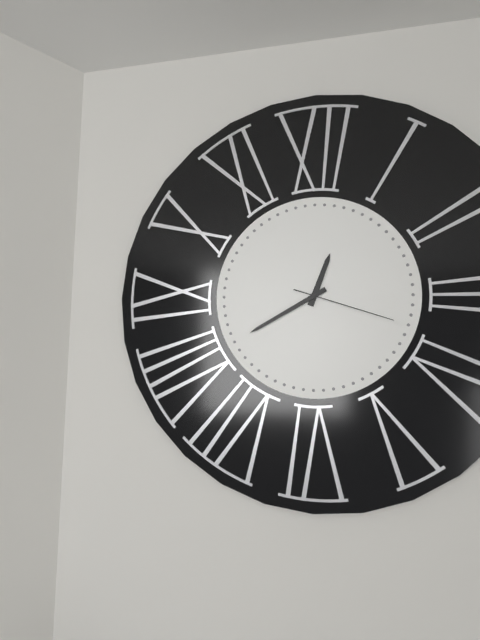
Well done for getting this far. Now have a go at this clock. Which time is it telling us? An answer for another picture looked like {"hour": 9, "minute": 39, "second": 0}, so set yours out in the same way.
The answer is {"hour": 12, "minute": 40, "second": 18}
